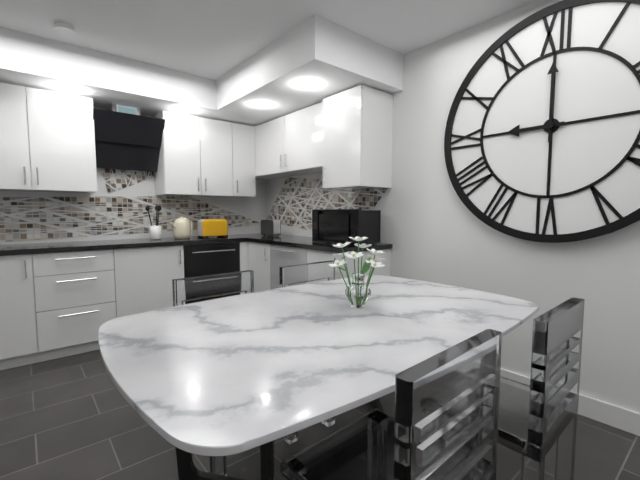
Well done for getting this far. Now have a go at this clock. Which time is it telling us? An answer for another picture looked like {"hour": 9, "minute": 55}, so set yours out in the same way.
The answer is {"hour": 9, "minute": 0}
